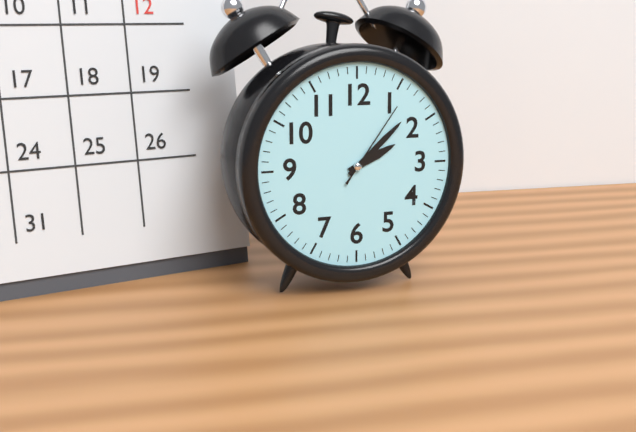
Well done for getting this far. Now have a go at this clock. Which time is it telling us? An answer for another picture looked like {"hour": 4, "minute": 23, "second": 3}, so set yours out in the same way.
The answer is {"hour": 2, "minute": 8, "second": 6}
